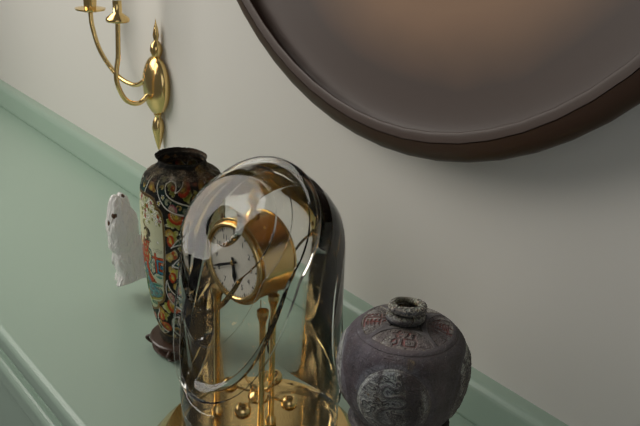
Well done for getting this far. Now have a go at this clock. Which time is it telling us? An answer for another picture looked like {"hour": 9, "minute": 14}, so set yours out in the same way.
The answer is {"hour": 5, "minute": 41}
